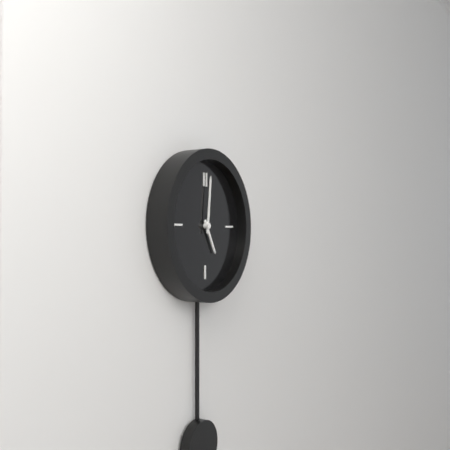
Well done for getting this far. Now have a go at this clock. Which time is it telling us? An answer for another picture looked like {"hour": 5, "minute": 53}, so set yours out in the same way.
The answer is {"hour": 5, "minute": 1}
